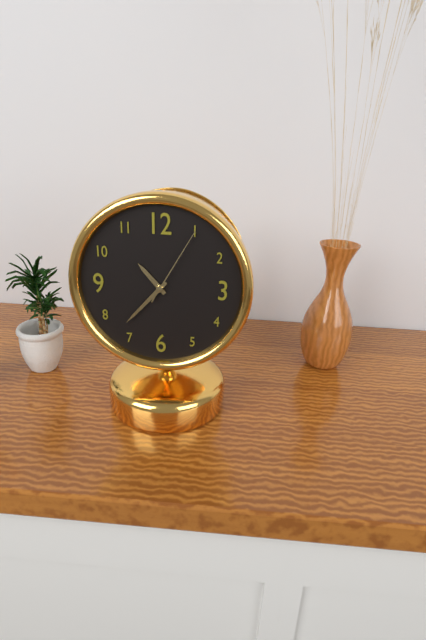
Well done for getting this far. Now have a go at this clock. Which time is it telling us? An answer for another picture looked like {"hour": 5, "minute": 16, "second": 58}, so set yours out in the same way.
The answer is {"hour": 10, "minute": 37, "second": 5}
